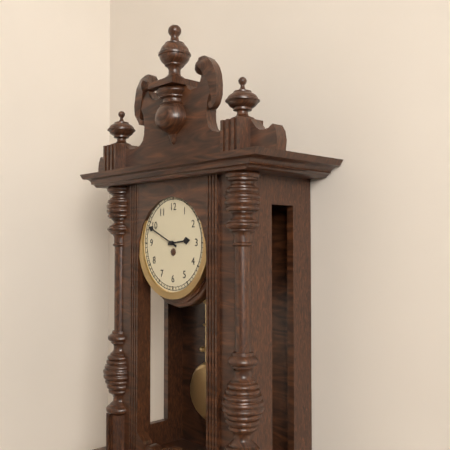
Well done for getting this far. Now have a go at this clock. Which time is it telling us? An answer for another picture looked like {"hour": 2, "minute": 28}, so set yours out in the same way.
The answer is {"hour": 2, "minute": 49}
